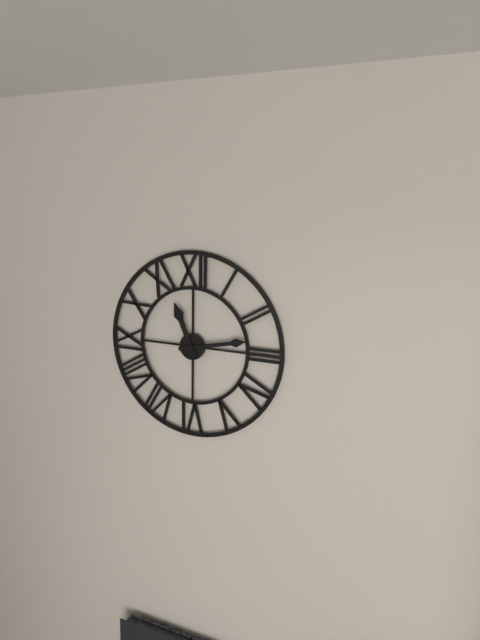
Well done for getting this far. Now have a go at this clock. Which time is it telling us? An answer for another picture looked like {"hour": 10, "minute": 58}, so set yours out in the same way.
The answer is {"hour": 11, "minute": 13}
